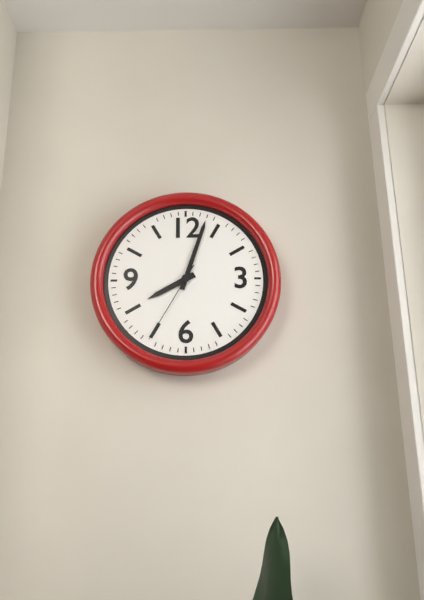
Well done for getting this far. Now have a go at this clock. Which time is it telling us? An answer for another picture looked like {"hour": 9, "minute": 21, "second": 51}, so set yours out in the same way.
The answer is {"hour": 8, "minute": 3, "second": 35}
